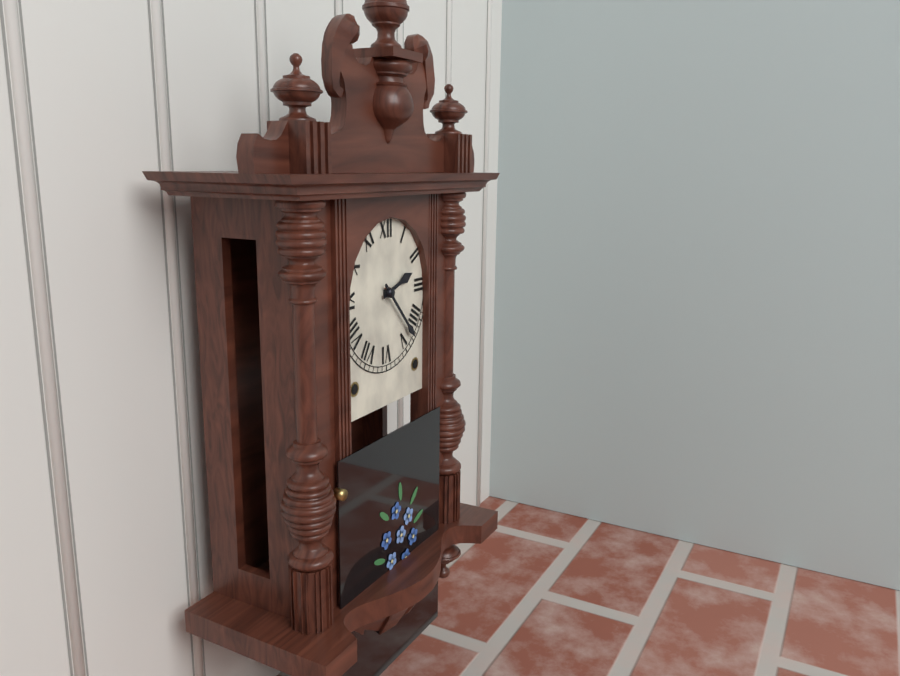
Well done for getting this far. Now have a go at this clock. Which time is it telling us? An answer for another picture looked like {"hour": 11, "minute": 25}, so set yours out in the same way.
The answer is {"hour": 2, "minute": 23}
